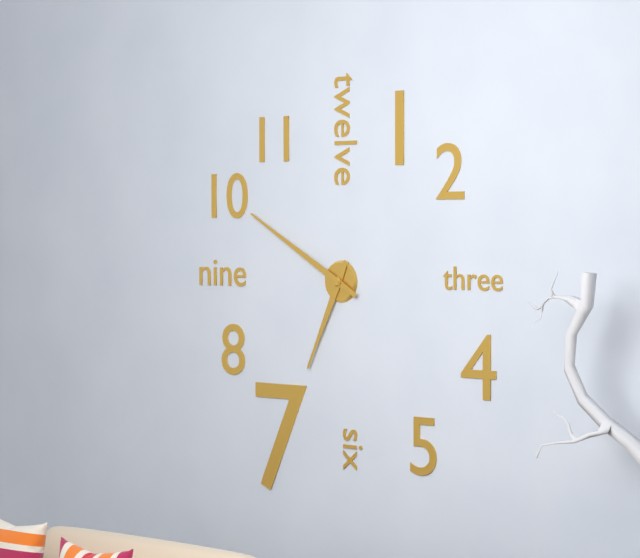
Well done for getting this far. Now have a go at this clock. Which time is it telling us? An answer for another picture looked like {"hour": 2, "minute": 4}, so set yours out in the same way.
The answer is {"hour": 6, "minute": 50}
